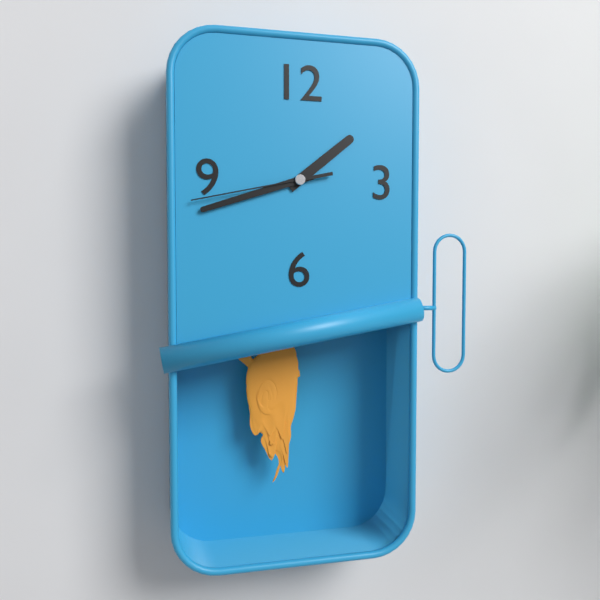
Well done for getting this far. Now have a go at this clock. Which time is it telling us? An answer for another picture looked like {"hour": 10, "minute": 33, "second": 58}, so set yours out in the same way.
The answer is {"hour": 1, "minute": 42, "second": 43}
